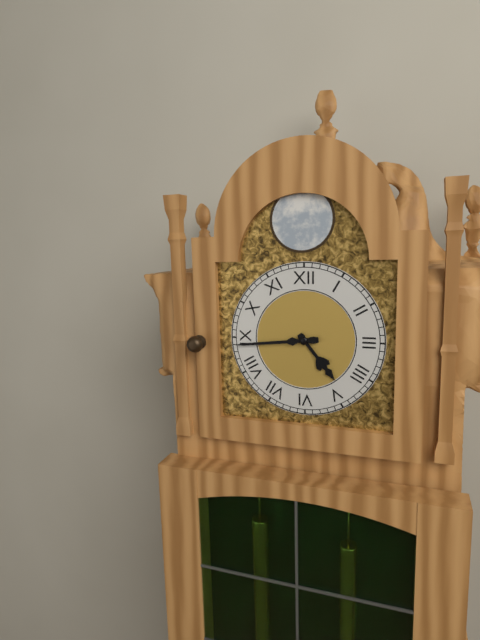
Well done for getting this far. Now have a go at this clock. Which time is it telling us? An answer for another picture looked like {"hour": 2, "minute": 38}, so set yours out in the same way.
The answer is {"hour": 4, "minute": 44}
